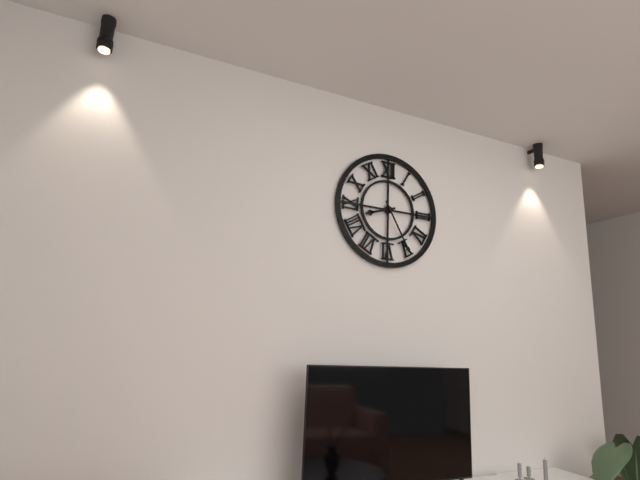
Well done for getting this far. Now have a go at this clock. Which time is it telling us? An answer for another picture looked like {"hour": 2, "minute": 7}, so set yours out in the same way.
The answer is {"hour": 8, "minute": 25}
